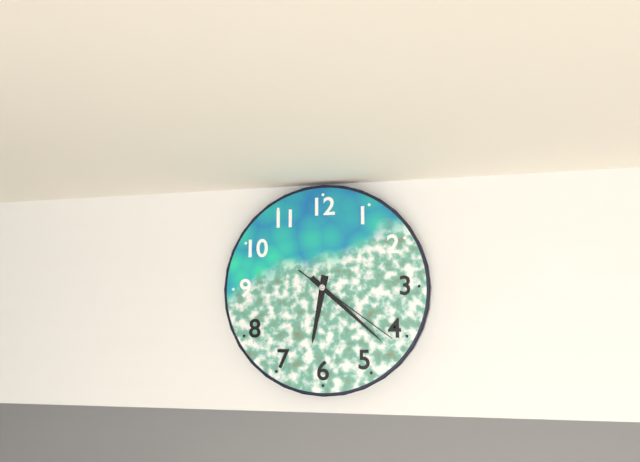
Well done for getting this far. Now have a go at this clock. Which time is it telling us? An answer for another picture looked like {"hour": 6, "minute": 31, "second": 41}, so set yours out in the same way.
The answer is {"hour": 6, "minute": 22, "second": 21}
